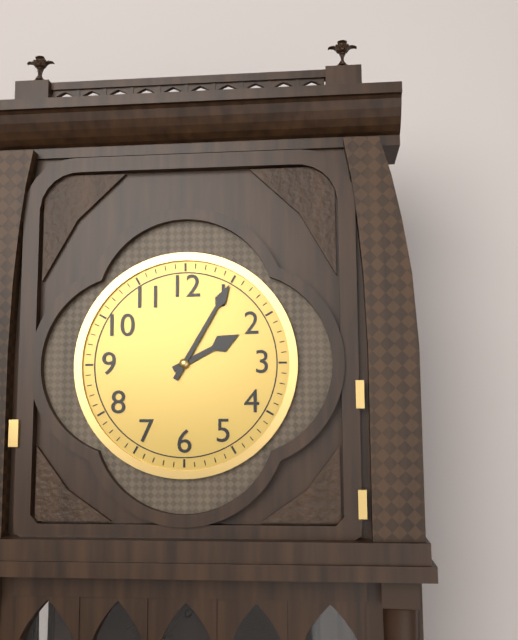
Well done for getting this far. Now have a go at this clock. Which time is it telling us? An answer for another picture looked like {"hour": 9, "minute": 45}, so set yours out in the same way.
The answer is {"hour": 2, "minute": 5}
